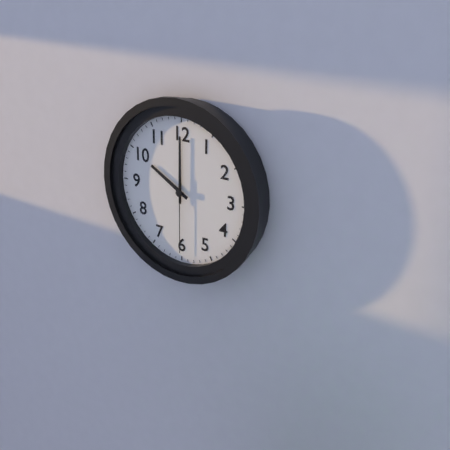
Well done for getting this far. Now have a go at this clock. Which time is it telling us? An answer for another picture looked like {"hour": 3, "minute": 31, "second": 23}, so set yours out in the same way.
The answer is {"hour": 10, "minute": 0, "second": 30}
